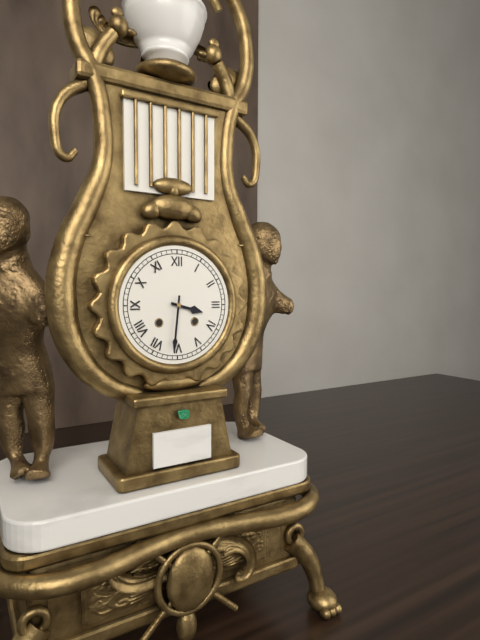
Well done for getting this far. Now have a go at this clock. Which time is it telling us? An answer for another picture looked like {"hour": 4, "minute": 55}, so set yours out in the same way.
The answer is {"hour": 3, "minute": 31}
